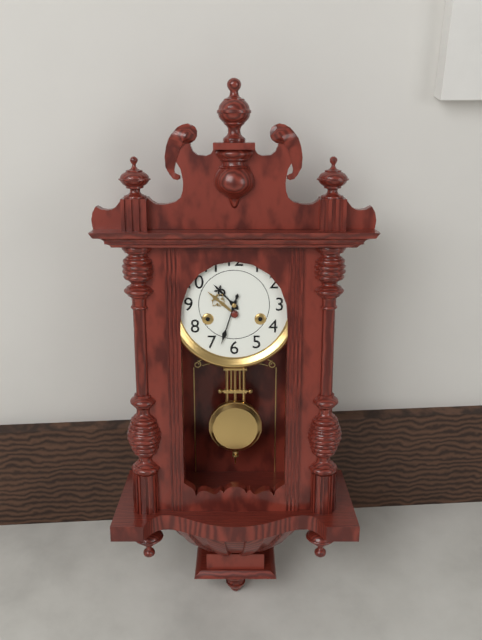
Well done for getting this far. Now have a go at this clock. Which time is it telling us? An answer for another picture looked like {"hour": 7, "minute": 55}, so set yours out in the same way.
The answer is {"hour": 10, "minute": 33}
